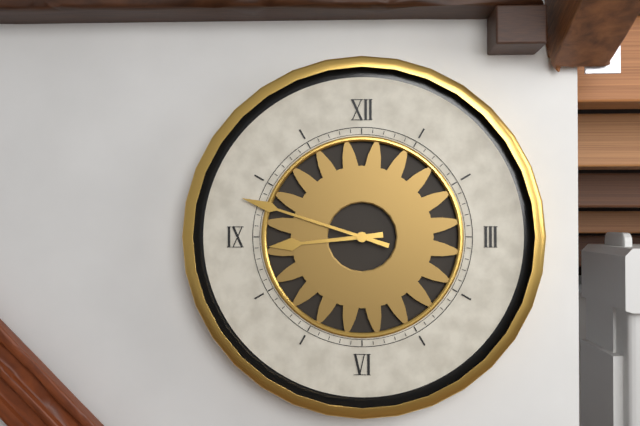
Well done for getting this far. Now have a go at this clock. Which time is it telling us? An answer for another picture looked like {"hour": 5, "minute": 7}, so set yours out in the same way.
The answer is {"hour": 8, "minute": 48}
